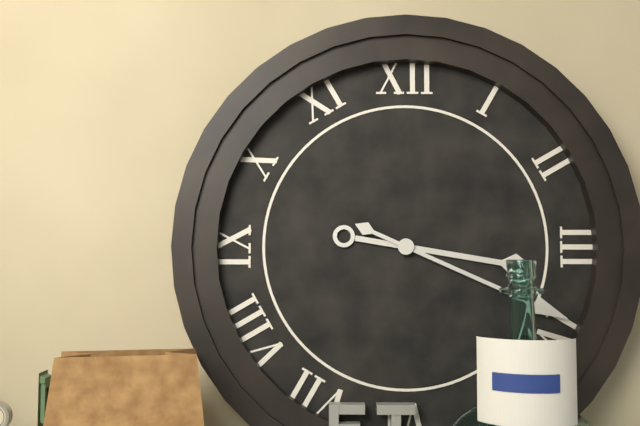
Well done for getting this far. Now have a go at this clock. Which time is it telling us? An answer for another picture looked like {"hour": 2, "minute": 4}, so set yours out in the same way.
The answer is {"hour": 3, "minute": 19}
